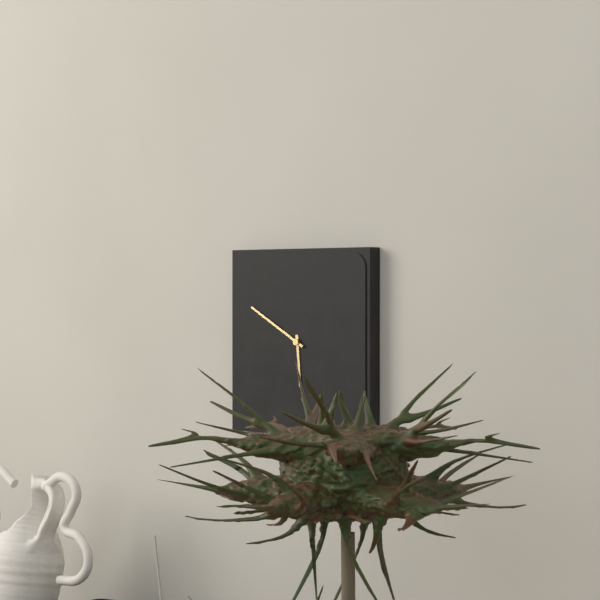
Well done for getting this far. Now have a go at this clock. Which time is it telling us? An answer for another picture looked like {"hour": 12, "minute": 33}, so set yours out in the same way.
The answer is {"hour": 5, "minute": 50}
